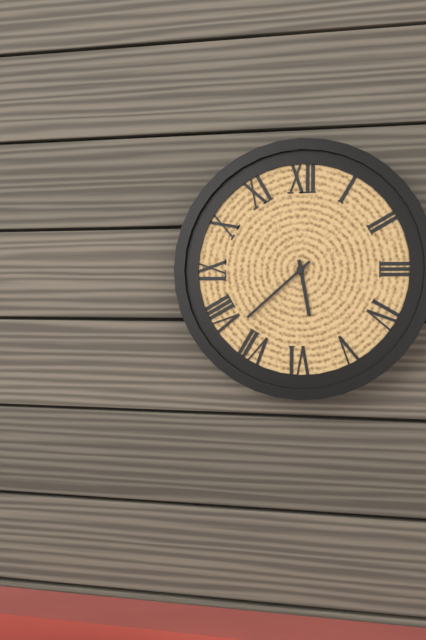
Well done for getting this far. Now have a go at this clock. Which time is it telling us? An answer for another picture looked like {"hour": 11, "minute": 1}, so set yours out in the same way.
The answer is {"hour": 5, "minute": 38}
